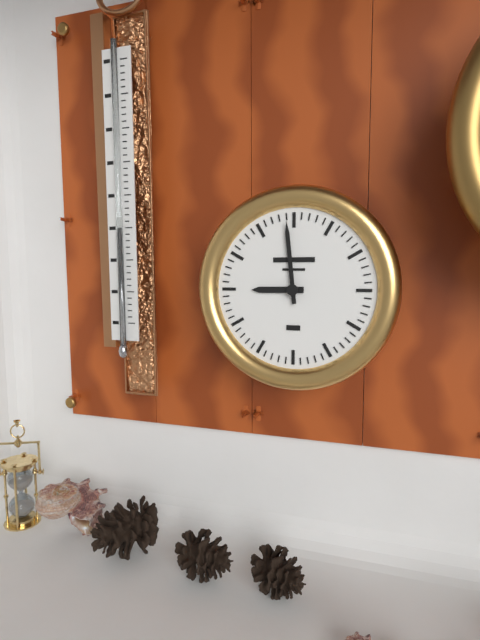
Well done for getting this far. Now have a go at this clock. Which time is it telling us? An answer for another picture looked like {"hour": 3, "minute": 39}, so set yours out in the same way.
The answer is {"hour": 8, "minute": 59}
